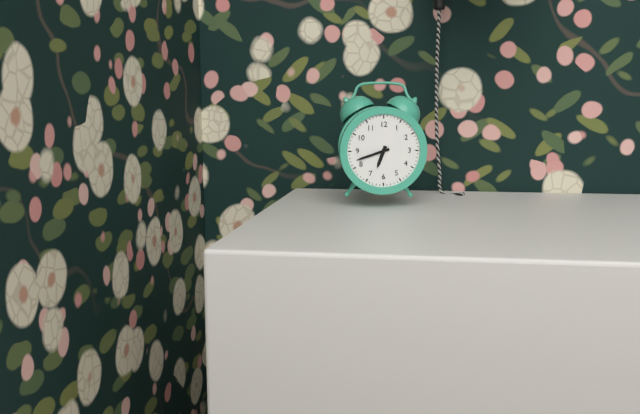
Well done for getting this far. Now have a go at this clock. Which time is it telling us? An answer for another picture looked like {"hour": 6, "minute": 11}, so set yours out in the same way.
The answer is {"hour": 6, "minute": 42}
